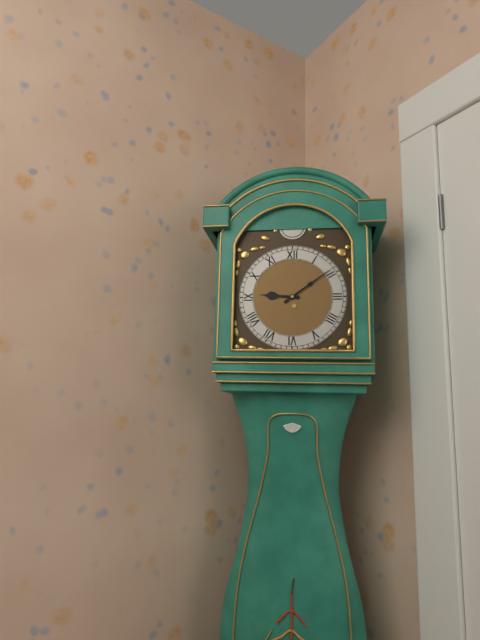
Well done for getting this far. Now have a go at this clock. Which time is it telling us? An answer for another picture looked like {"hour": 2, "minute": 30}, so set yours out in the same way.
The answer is {"hour": 9, "minute": 9}
